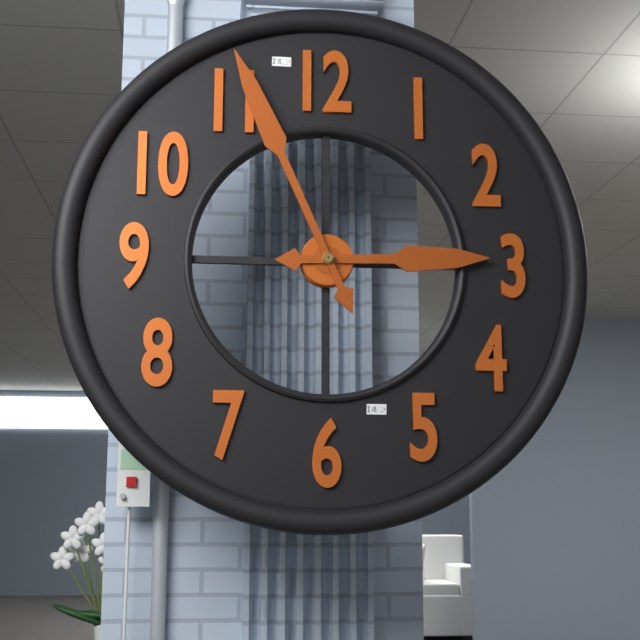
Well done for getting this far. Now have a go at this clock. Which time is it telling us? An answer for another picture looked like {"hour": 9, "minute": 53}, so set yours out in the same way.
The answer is {"hour": 2, "minute": 56}
